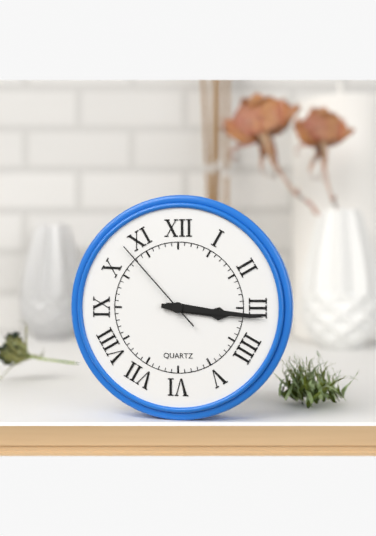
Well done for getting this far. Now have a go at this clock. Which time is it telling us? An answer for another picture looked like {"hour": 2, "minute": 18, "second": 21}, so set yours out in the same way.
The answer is {"hour": 3, "minute": 16, "second": 53}
